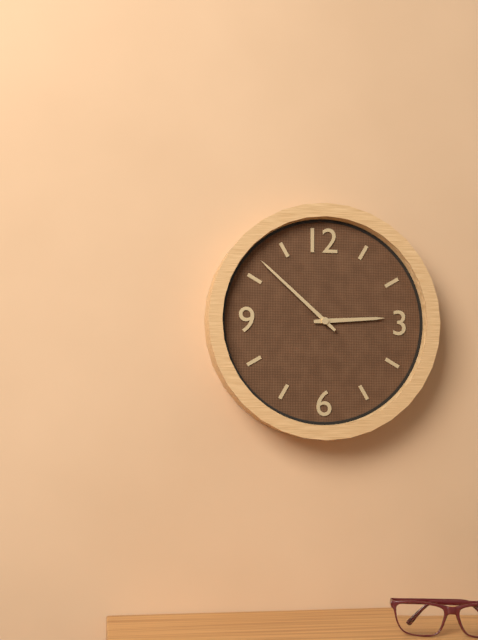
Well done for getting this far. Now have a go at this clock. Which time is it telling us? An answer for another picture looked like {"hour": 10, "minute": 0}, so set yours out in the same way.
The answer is {"hour": 2, "minute": 52}
